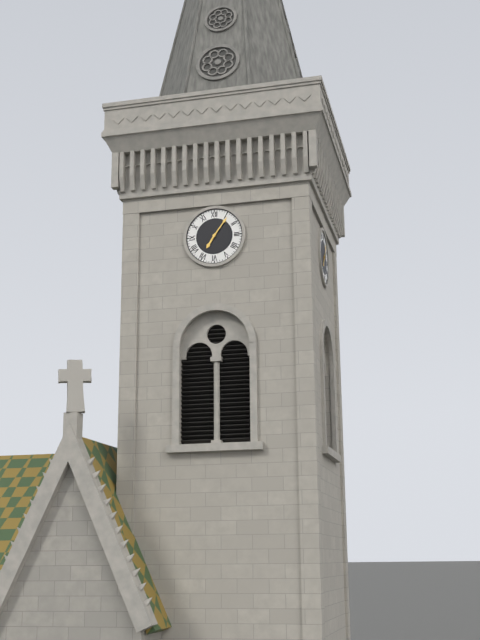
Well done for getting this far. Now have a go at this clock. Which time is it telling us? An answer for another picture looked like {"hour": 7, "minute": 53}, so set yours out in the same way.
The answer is {"hour": 7, "minute": 6}
